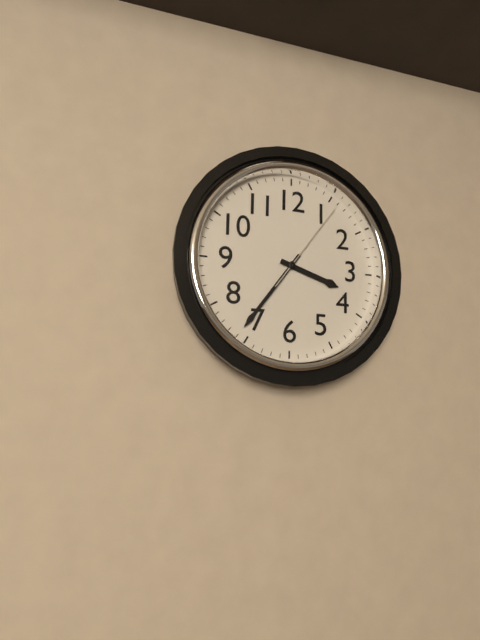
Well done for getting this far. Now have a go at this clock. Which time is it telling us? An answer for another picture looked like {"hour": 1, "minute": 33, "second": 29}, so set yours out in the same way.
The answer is {"hour": 3, "minute": 36, "second": 6}
